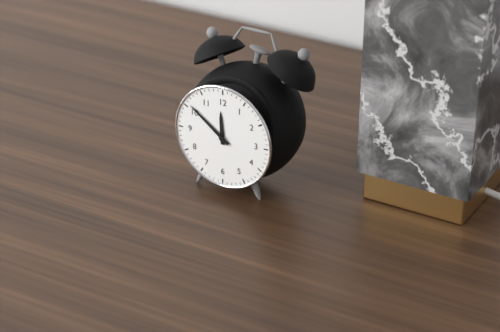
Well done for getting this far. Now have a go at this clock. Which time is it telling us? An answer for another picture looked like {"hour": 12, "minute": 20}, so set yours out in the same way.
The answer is {"hour": 11, "minute": 51}
